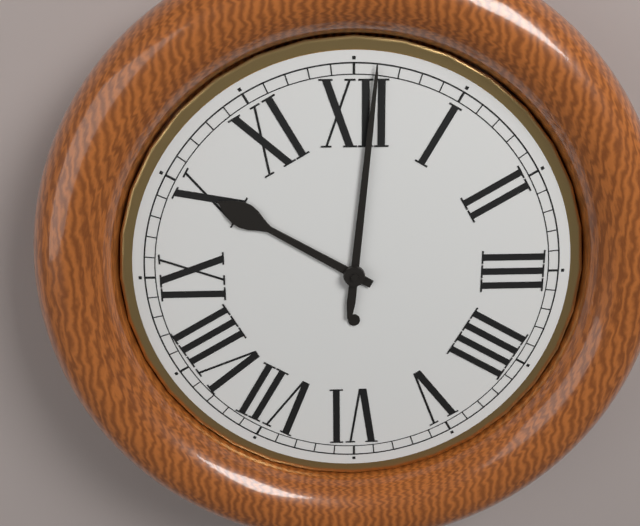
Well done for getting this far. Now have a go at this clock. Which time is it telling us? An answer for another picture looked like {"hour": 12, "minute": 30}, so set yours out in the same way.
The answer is {"hour": 10, "minute": 1}
